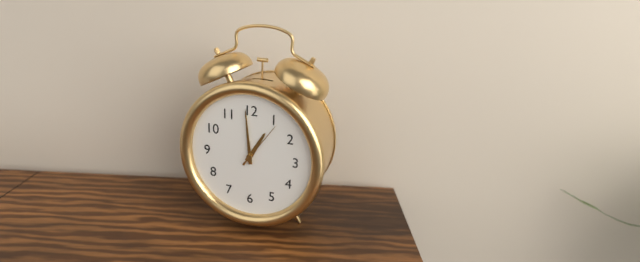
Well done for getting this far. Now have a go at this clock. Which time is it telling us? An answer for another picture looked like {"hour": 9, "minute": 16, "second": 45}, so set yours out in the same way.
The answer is {"hour": 12, "minute": 59, "second": 6}
